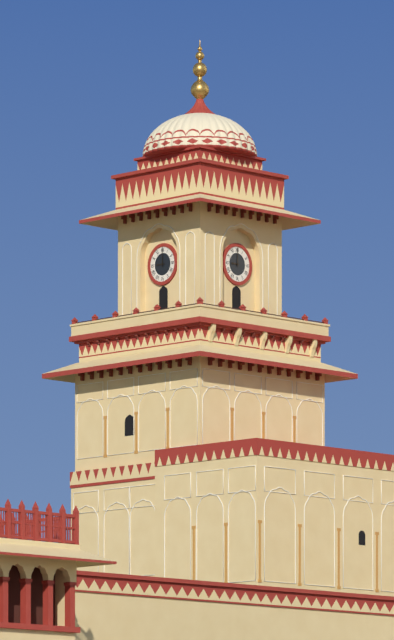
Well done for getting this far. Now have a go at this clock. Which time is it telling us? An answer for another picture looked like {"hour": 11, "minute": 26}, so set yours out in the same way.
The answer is {"hour": 9, "minute": 0}
